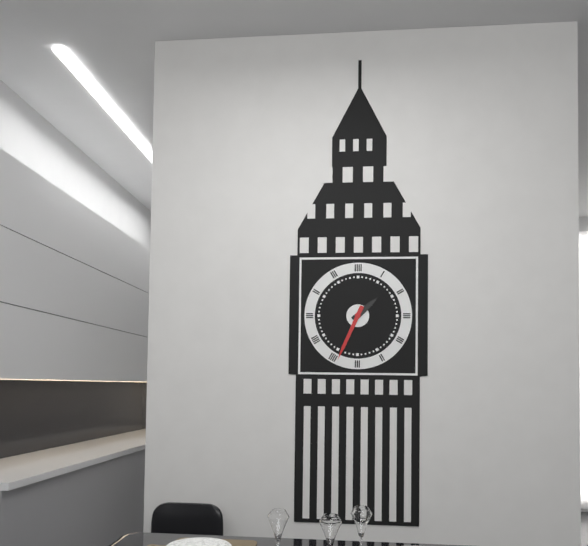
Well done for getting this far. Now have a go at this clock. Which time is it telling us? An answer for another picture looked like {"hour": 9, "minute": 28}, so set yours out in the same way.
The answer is {"hour": 1, "minute": 34}
